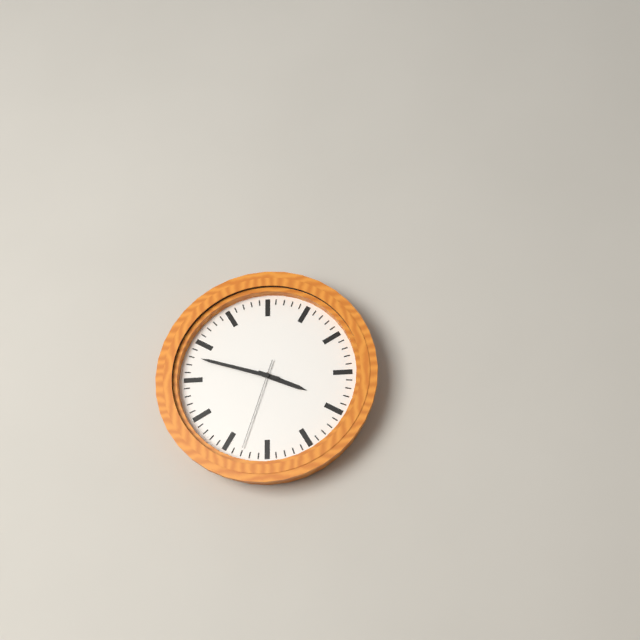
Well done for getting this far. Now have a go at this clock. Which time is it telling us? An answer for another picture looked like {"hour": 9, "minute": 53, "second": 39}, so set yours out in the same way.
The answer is {"hour": 3, "minute": 48, "second": 33}
